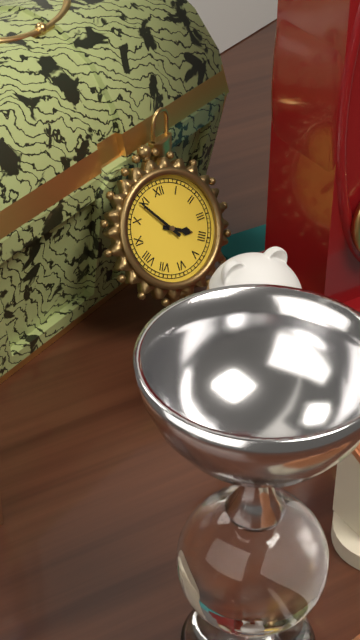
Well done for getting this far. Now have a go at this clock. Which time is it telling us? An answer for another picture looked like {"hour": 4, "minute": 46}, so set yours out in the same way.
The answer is {"hour": 3, "minute": 54}
